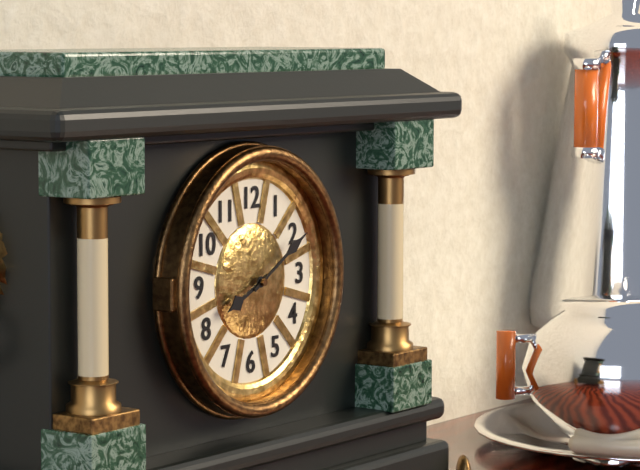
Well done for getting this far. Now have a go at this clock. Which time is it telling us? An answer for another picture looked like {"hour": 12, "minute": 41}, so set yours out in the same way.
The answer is {"hour": 8, "minute": 10}
